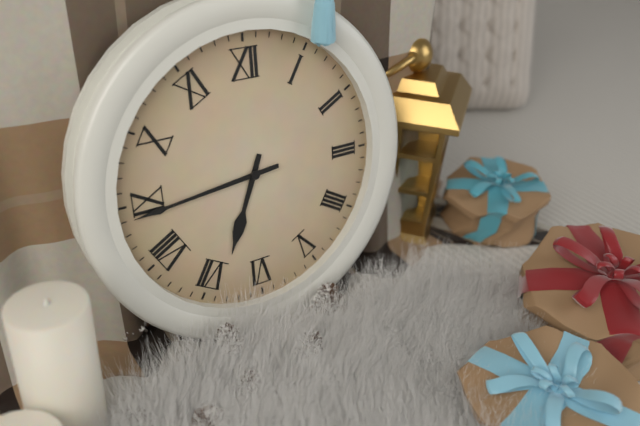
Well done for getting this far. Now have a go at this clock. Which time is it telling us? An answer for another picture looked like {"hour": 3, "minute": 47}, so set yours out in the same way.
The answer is {"hour": 6, "minute": 44}
